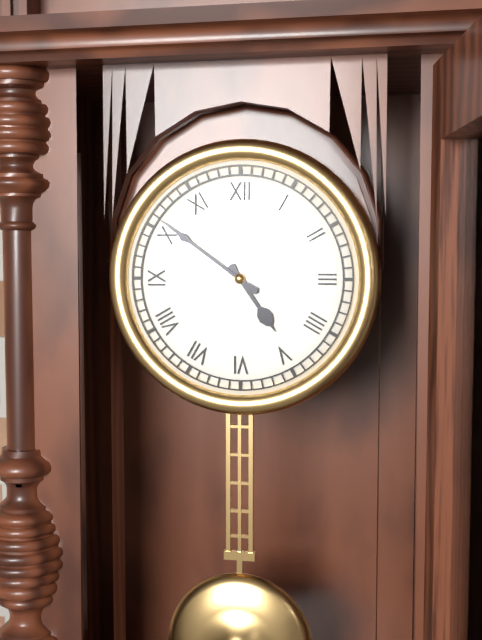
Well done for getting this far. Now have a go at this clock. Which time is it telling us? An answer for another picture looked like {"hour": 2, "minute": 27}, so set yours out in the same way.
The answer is {"hour": 4, "minute": 51}
